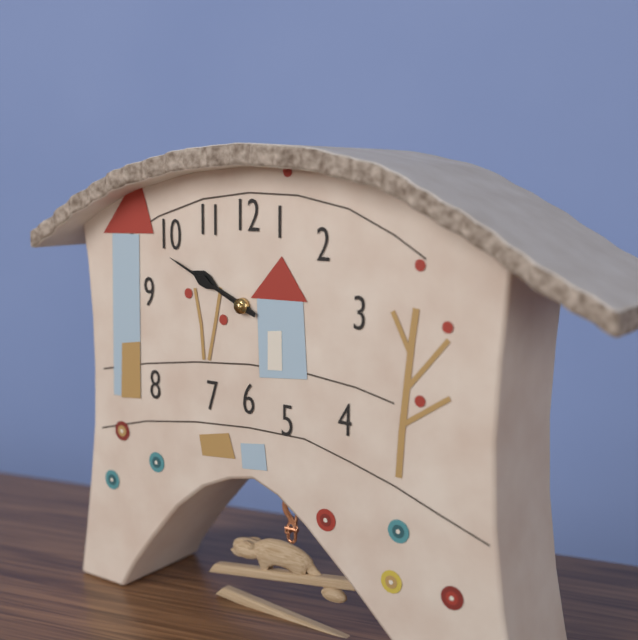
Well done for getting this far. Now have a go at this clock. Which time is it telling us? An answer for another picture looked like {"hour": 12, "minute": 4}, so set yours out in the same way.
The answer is {"hour": 9, "minute": 49}
